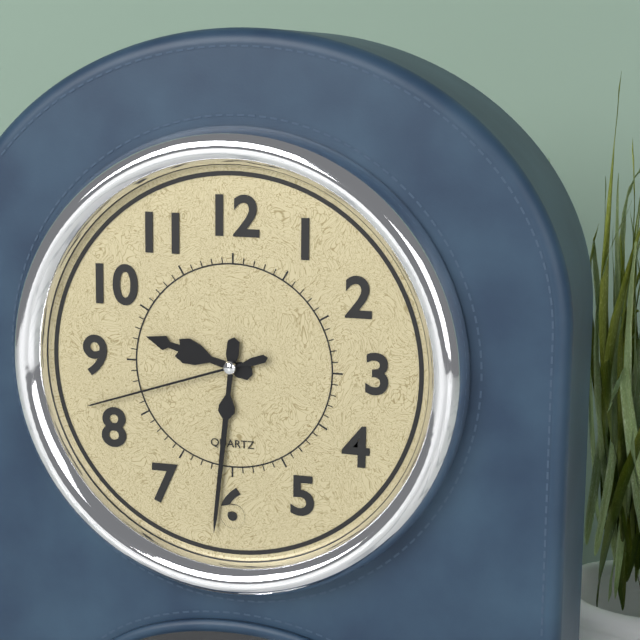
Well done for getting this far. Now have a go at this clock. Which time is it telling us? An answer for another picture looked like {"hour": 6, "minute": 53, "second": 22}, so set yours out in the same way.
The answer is {"hour": 9, "minute": 31, "second": 42}
